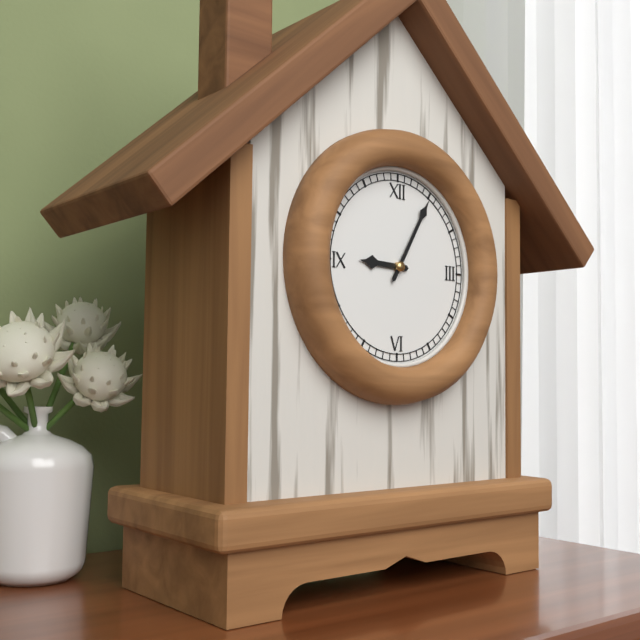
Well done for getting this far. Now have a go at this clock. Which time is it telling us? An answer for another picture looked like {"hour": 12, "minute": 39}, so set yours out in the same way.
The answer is {"hour": 9, "minute": 5}
